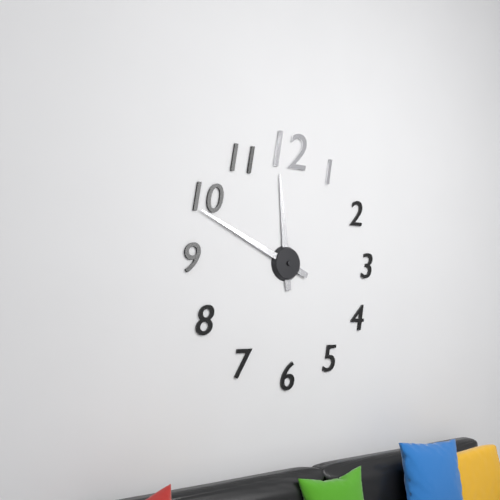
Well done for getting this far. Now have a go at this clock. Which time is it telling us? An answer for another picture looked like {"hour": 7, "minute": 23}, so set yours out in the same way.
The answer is {"hour": 11, "minute": 49}
